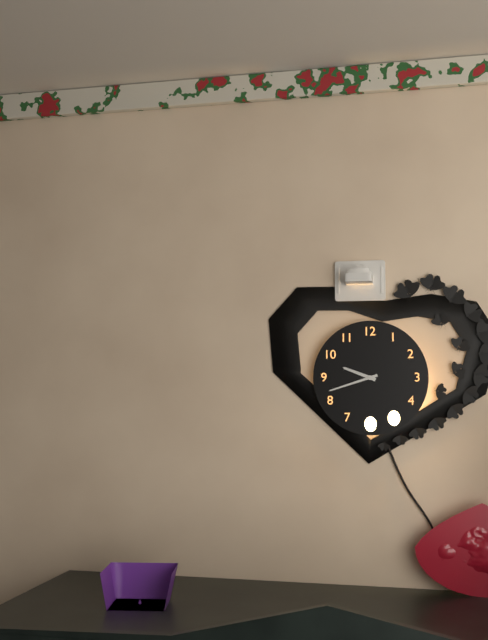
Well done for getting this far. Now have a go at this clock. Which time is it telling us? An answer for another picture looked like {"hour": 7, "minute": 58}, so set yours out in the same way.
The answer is {"hour": 9, "minute": 42}
